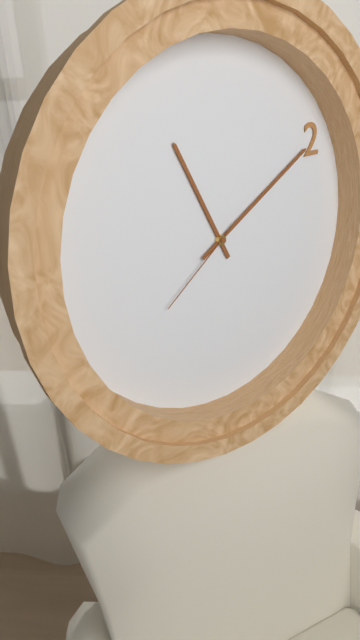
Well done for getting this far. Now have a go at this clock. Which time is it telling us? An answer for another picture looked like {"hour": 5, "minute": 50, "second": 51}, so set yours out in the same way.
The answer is {"hour": 11, "minute": 10, "second": 39}
